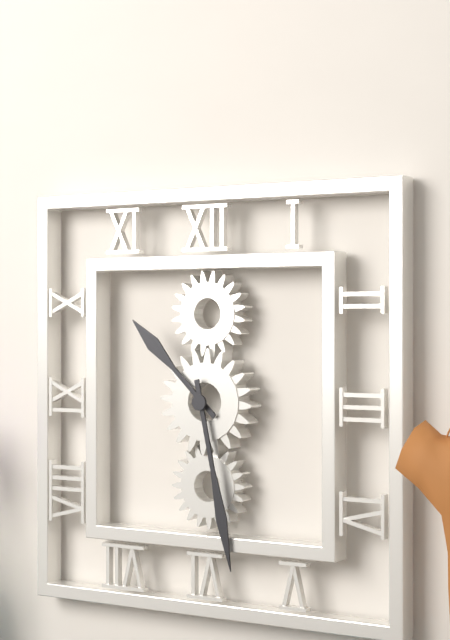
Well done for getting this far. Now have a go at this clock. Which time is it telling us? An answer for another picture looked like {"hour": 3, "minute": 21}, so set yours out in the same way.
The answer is {"hour": 10, "minute": 28}
